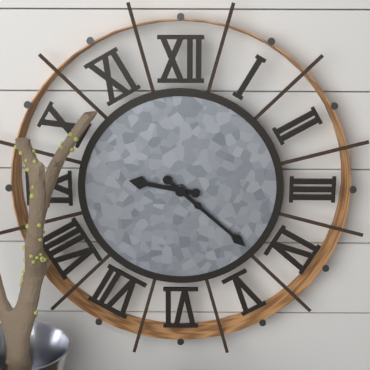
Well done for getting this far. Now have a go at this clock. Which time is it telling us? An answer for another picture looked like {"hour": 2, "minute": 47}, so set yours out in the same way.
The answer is {"hour": 9, "minute": 22}
